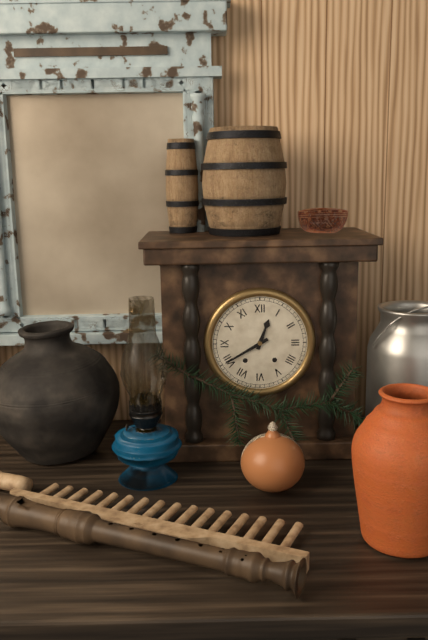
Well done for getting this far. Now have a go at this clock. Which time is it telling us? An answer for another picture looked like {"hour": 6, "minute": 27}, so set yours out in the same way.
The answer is {"hour": 12, "minute": 40}
